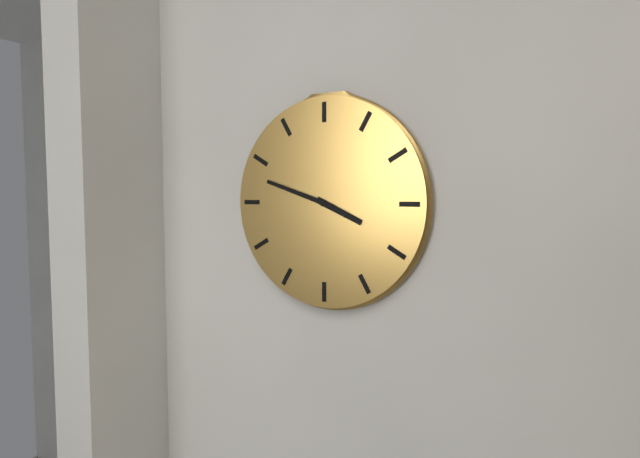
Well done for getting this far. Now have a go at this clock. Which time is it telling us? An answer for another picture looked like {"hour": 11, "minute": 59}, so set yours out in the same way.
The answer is {"hour": 3, "minute": 48}
